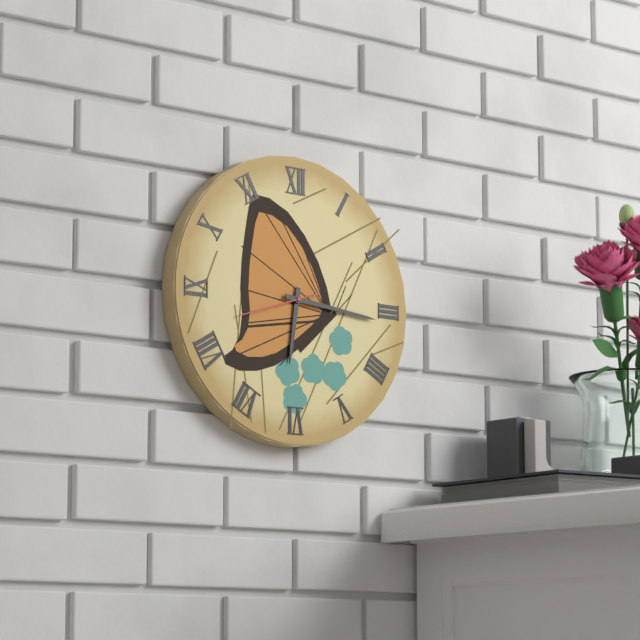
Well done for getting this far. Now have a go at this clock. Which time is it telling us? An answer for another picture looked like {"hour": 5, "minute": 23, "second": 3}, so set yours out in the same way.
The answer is {"hour": 6, "minute": 16, "second": 42}
